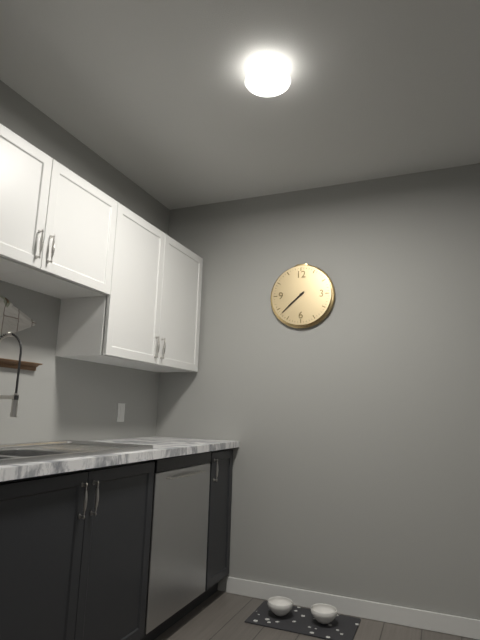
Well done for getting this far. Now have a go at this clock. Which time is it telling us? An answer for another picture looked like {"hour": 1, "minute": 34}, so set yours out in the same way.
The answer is {"hour": 7, "minute": 38}
